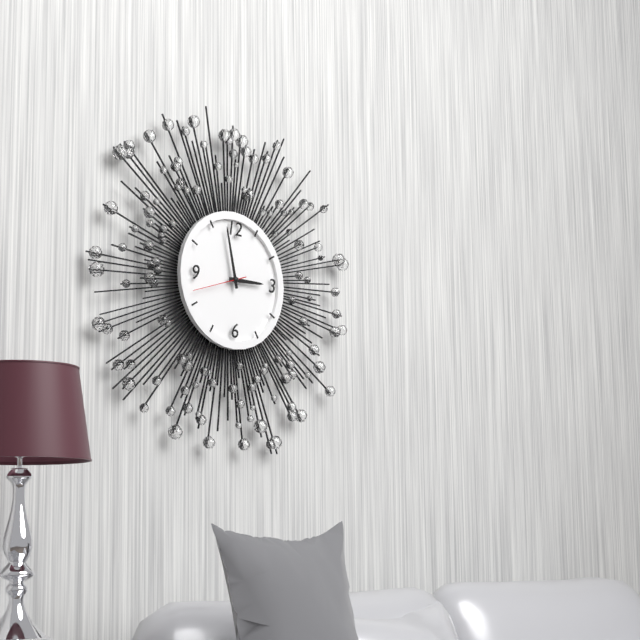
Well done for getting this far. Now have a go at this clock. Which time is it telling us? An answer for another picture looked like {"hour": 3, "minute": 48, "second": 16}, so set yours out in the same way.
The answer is {"hour": 2, "minute": 58, "second": 42}
